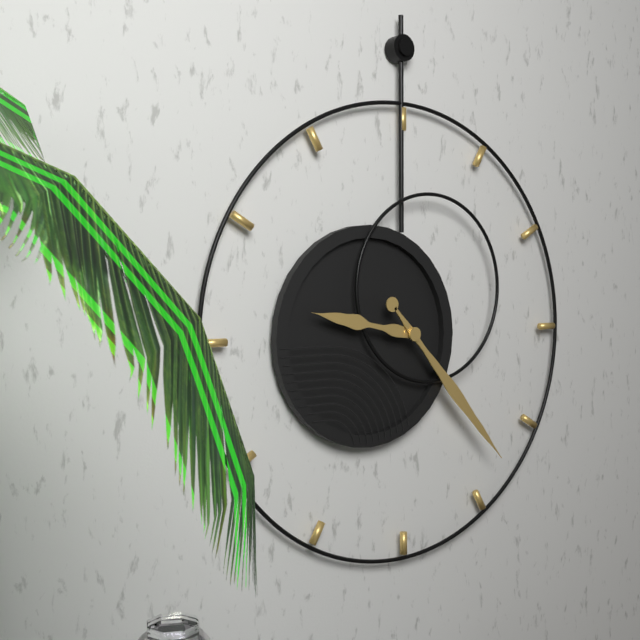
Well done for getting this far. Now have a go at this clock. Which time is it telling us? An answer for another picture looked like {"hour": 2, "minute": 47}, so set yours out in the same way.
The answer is {"hour": 9, "minute": 23}
